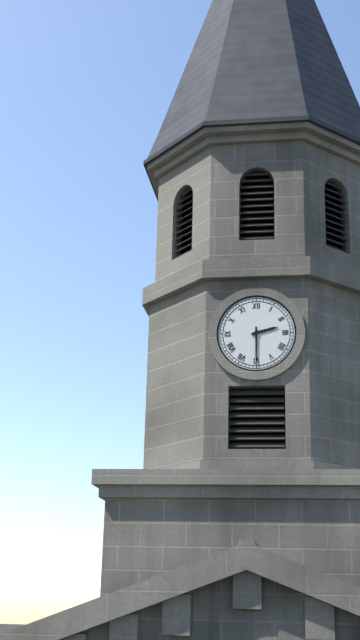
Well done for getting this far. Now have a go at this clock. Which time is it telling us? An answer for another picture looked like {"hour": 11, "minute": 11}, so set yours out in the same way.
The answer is {"hour": 2, "minute": 30}
